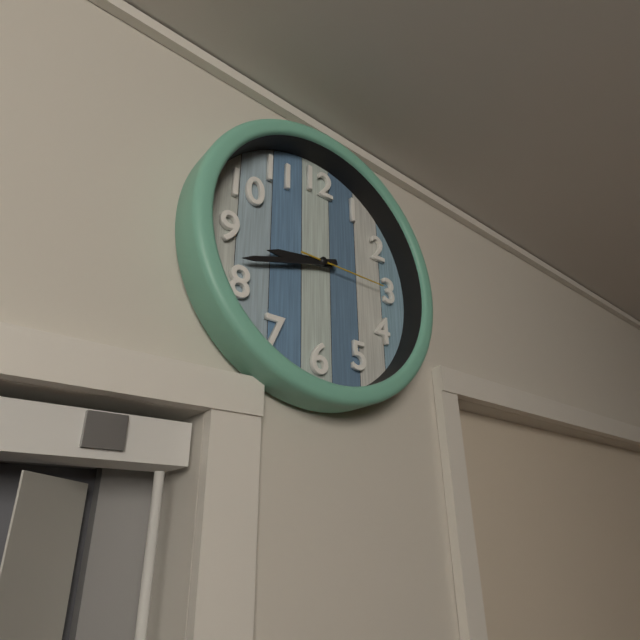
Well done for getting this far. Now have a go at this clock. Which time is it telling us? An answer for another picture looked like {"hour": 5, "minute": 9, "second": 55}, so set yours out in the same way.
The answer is {"hour": 8, "minute": 42, "second": 15}
